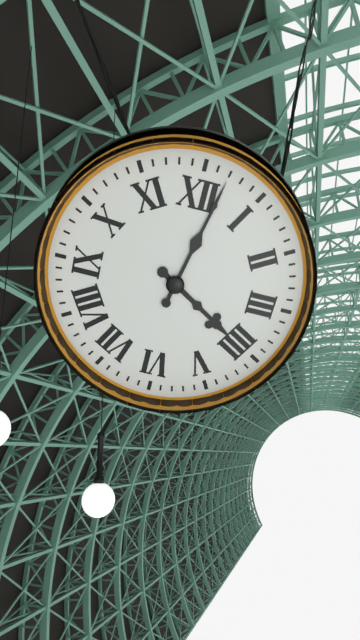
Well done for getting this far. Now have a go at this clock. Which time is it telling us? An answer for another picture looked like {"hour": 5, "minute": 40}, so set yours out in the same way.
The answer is {"hour": 4, "minute": 2}
